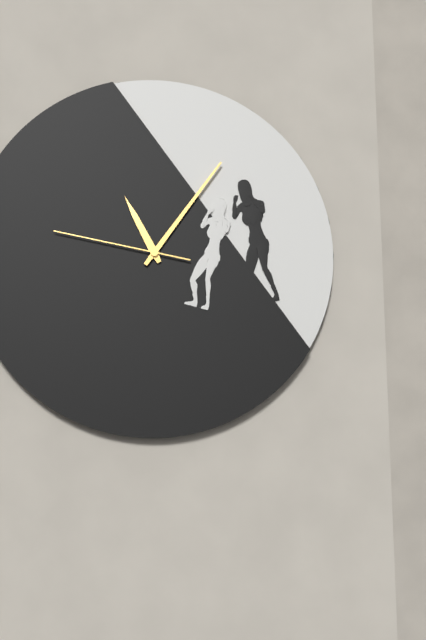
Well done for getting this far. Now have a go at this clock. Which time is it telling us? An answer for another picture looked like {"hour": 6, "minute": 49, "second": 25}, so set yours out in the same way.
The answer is {"hour": 11, "minute": 6, "second": 47}
